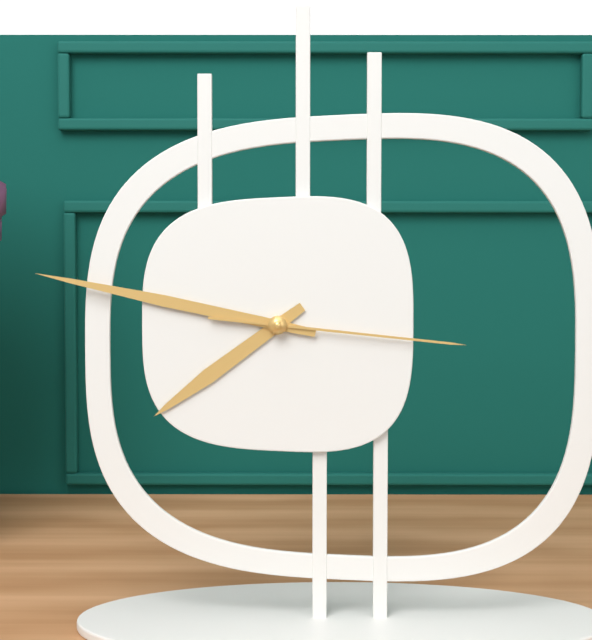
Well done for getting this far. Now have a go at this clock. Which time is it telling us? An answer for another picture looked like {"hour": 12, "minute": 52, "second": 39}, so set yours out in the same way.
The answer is {"hour": 7, "minute": 47, "second": 16}
